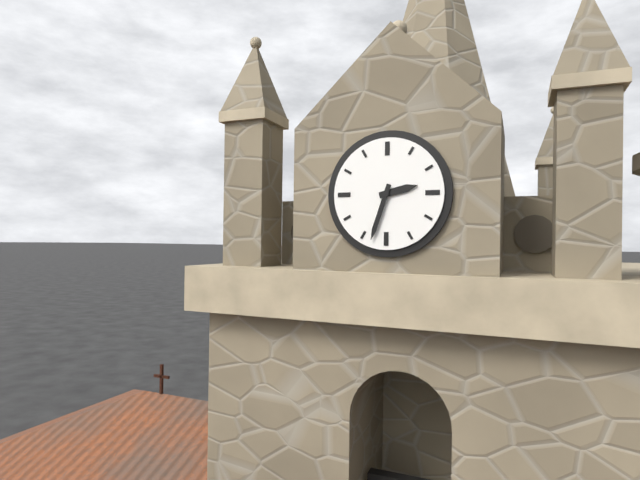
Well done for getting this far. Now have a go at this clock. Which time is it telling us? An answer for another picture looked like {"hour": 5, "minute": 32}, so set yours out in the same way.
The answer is {"hour": 2, "minute": 33}
